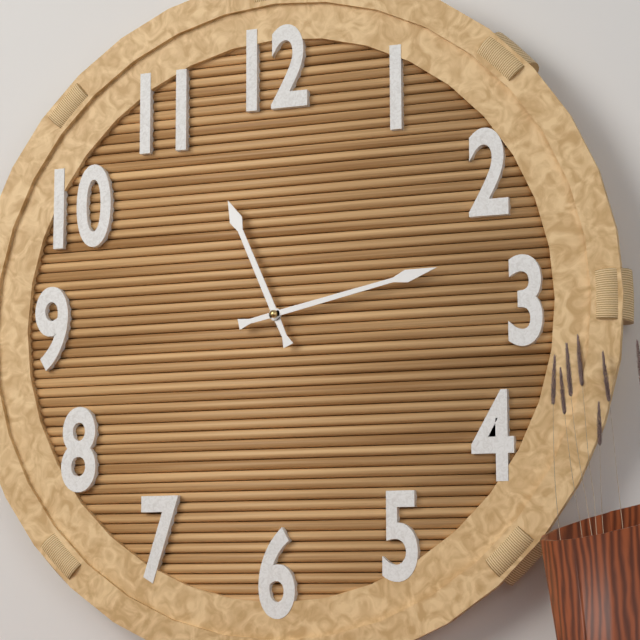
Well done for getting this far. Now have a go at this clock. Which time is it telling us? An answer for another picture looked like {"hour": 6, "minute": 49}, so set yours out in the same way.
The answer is {"hour": 11, "minute": 13}
